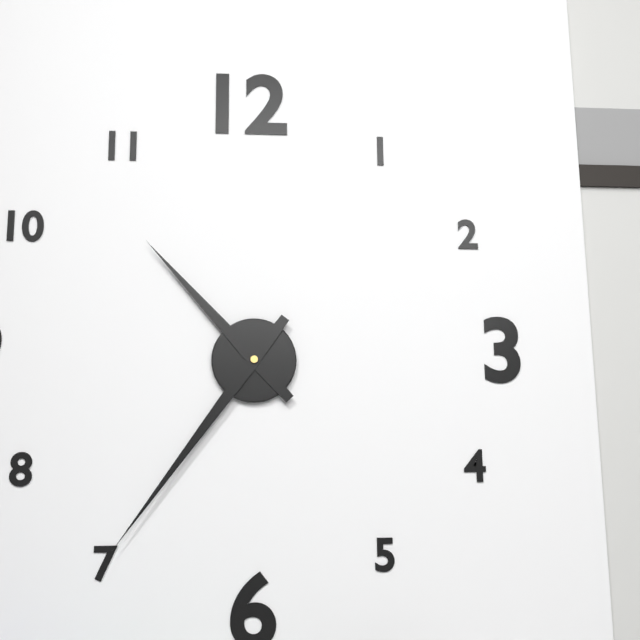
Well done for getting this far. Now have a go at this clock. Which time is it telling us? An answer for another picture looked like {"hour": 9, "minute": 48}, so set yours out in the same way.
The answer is {"hour": 10, "minute": 36}
